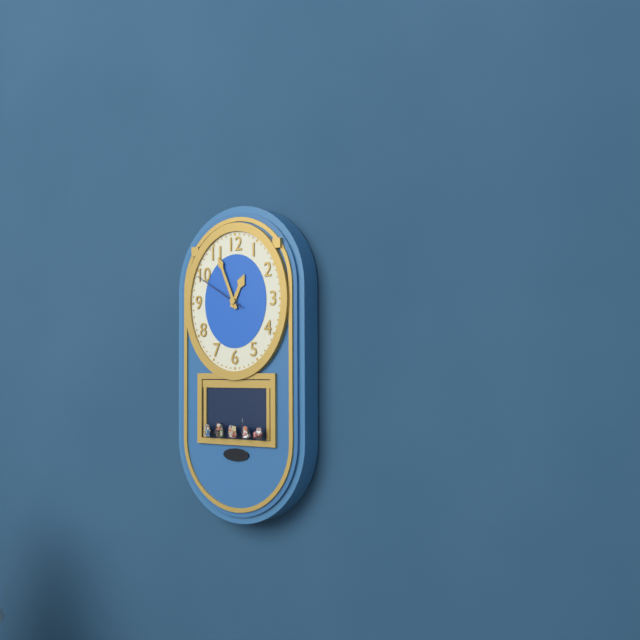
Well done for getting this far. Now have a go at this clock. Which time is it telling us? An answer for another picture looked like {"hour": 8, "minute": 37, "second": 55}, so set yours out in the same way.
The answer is {"hour": 12, "minute": 56, "second": 50}
